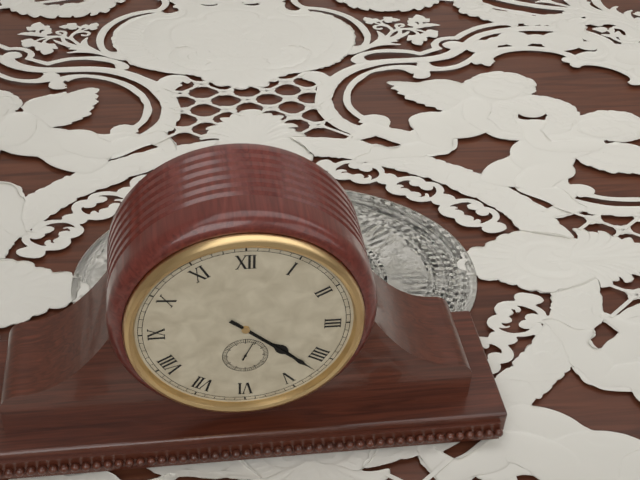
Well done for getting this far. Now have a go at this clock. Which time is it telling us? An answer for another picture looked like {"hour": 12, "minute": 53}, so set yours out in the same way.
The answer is {"hour": 4, "minute": 22}
